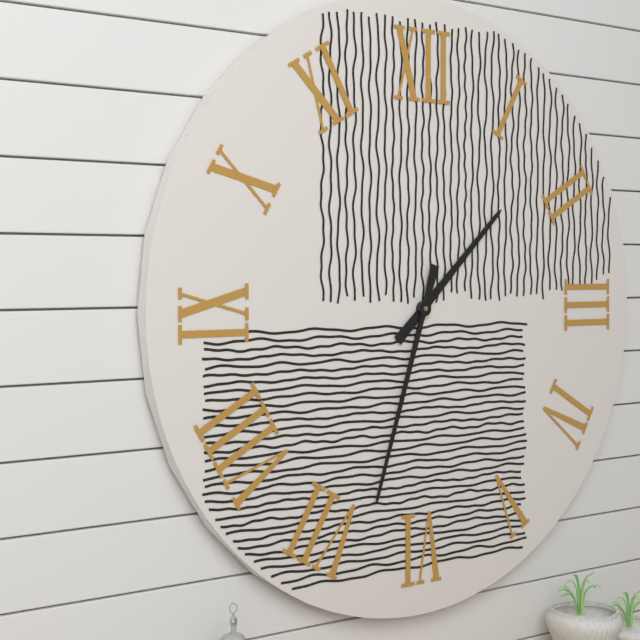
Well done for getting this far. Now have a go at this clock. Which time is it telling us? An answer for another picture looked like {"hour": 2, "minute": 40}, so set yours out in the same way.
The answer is {"hour": 1, "minute": 33}
